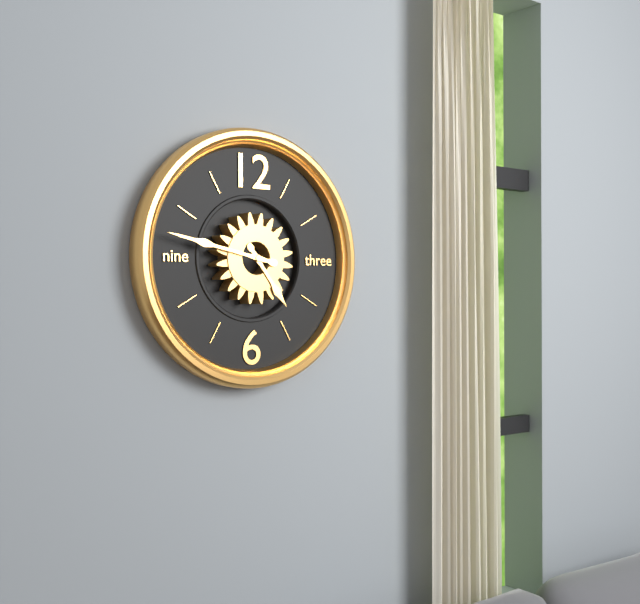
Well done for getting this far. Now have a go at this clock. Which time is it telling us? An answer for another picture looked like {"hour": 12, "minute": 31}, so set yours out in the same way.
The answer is {"hour": 4, "minute": 47}
